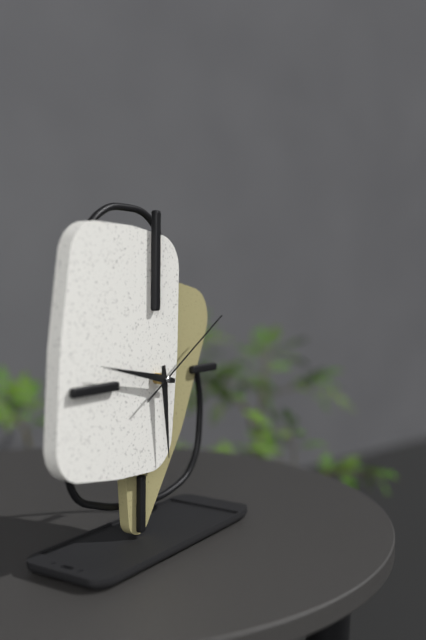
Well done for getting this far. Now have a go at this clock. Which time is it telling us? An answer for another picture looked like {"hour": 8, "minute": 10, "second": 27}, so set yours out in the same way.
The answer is {"hour": 5, "minute": 47, "second": 10}
